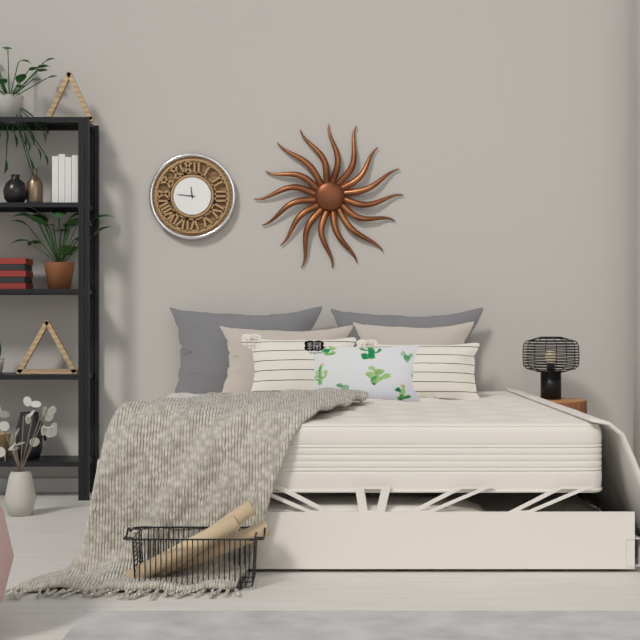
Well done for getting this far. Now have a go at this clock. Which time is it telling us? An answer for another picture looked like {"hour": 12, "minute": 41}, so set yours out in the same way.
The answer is {"hour": 11, "minute": 46}
